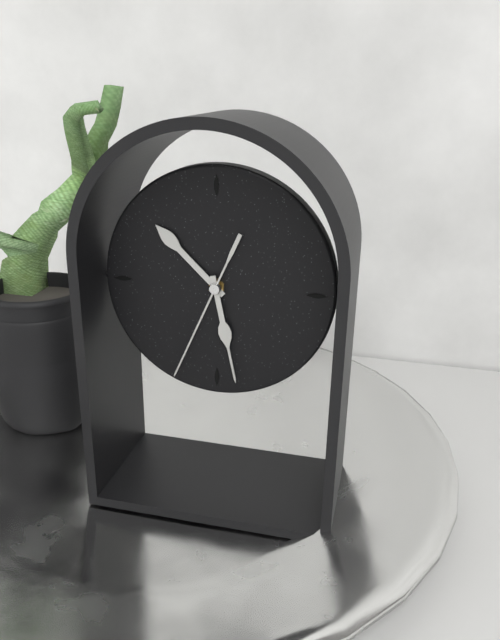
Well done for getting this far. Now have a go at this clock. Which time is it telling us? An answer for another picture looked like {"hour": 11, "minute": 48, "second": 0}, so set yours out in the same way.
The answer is {"hour": 10, "minute": 28, "second": 34}
